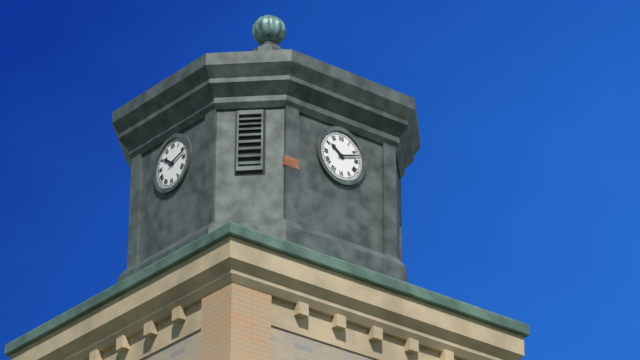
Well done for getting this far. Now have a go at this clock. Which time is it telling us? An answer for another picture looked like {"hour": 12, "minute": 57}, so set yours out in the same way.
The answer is {"hour": 10, "minute": 12}
